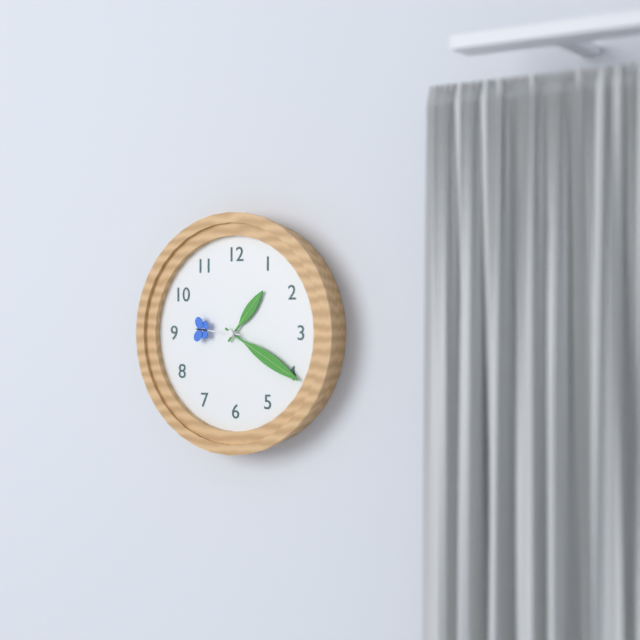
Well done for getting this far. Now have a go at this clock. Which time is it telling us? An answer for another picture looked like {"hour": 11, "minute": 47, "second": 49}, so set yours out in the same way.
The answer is {"hour": 1, "minute": 20, "second": 46}
